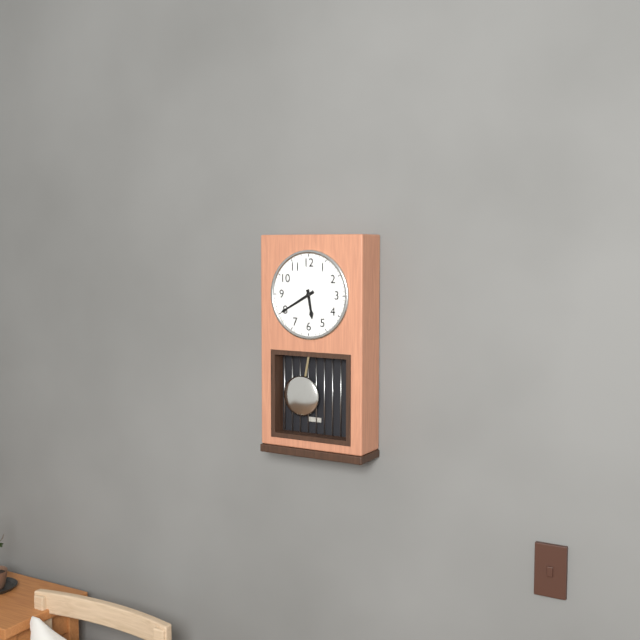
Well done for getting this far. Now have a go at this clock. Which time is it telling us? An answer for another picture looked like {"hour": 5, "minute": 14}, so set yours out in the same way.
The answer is {"hour": 5, "minute": 40}
